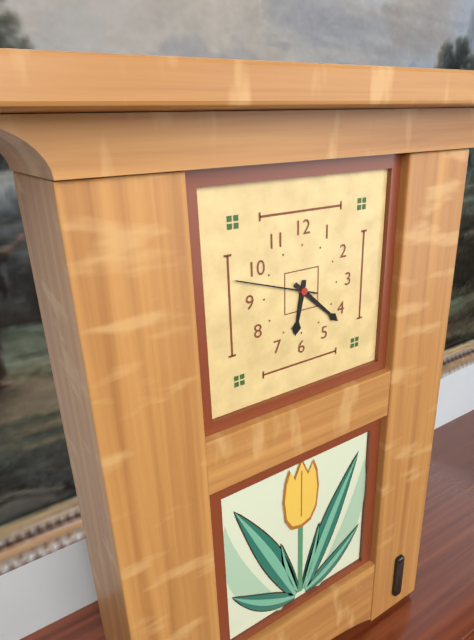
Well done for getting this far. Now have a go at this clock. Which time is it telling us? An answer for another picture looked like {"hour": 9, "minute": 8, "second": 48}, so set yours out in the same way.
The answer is {"hour": 6, "minute": 22, "second": 48}
